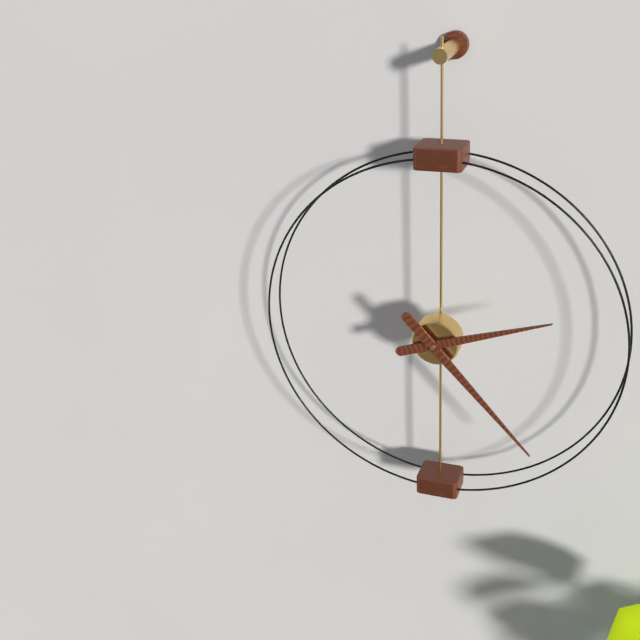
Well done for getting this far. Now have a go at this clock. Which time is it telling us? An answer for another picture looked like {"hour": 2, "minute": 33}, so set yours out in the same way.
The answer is {"hour": 2, "minute": 23}
